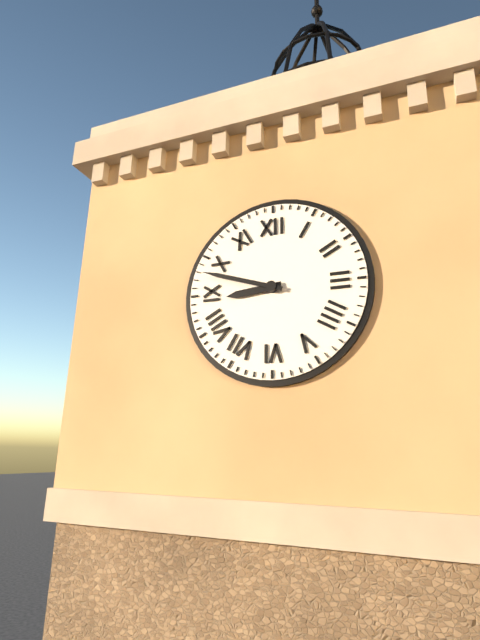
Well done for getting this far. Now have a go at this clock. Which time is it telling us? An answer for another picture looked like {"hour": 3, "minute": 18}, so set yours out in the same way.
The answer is {"hour": 8, "minute": 48}
